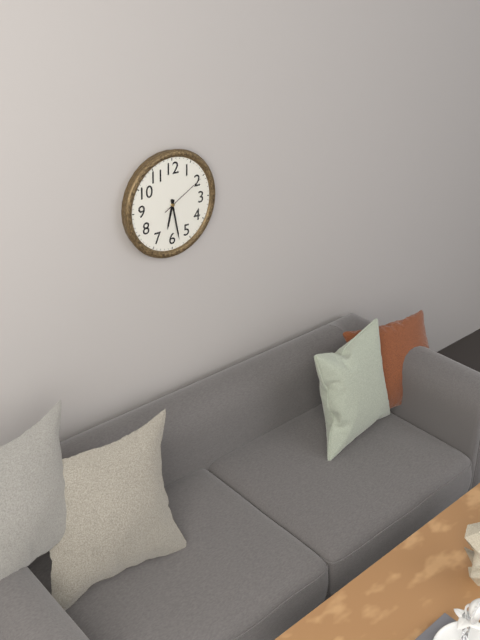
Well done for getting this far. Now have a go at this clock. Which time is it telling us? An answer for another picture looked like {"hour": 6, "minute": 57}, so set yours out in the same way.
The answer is {"hour": 6, "minute": 28}
